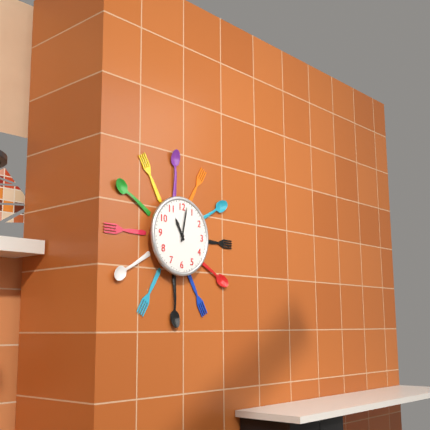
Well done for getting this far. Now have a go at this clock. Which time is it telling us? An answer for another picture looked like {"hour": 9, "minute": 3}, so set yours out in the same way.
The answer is {"hour": 11, "minute": 2}
